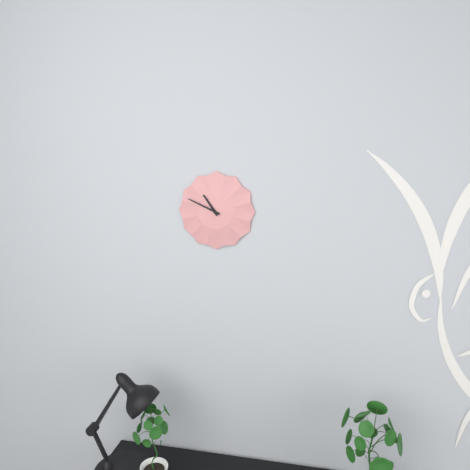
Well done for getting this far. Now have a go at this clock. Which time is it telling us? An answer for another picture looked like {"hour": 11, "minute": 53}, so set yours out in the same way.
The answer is {"hour": 10, "minute": 49}
